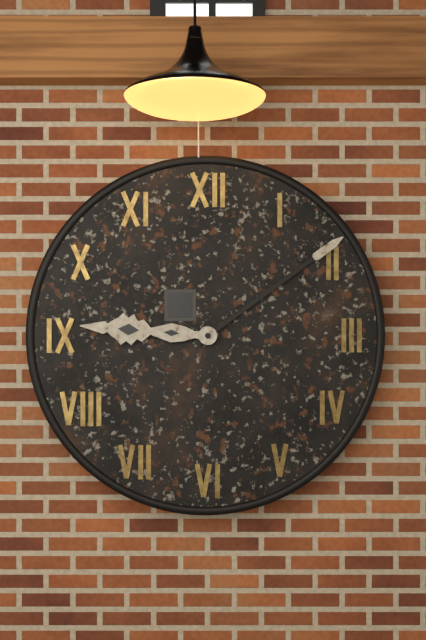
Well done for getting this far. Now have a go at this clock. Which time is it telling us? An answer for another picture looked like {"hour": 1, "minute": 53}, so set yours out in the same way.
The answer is {"hour": 9, "minute": 9}
